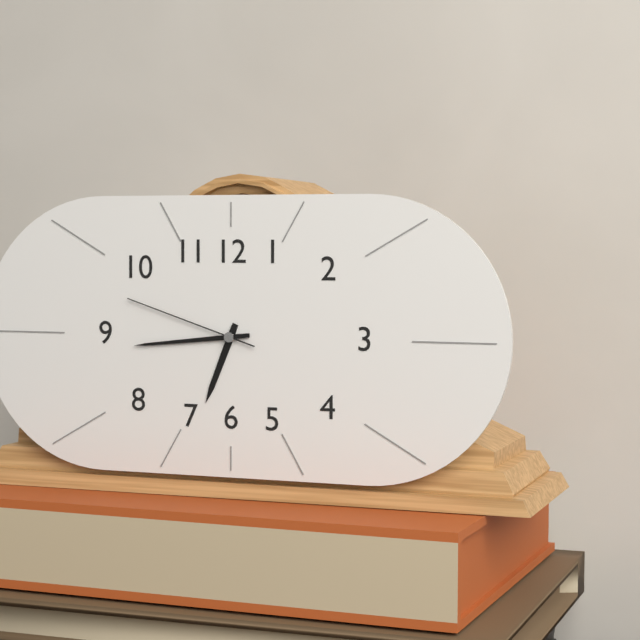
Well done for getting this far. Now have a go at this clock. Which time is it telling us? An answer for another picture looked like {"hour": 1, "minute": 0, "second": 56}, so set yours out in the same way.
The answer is {"hour": 6, "minute": 44, "second": 48}
